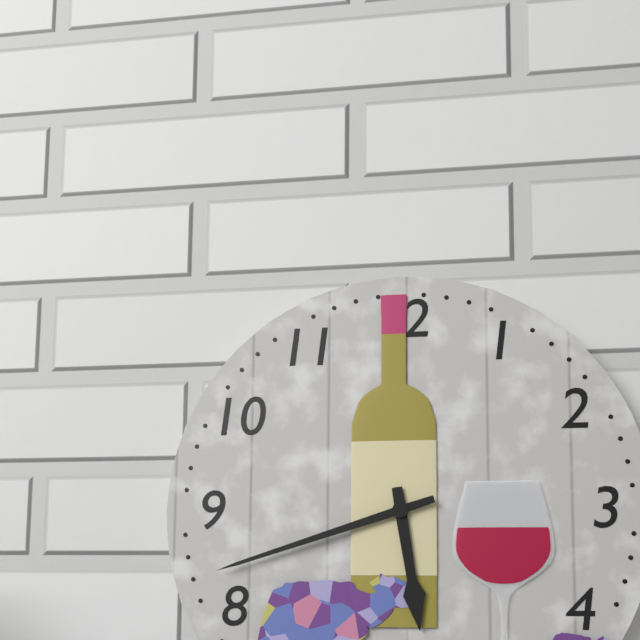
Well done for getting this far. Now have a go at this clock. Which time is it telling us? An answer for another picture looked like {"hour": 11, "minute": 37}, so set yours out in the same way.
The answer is {"hour": 5, "minute": 42}
